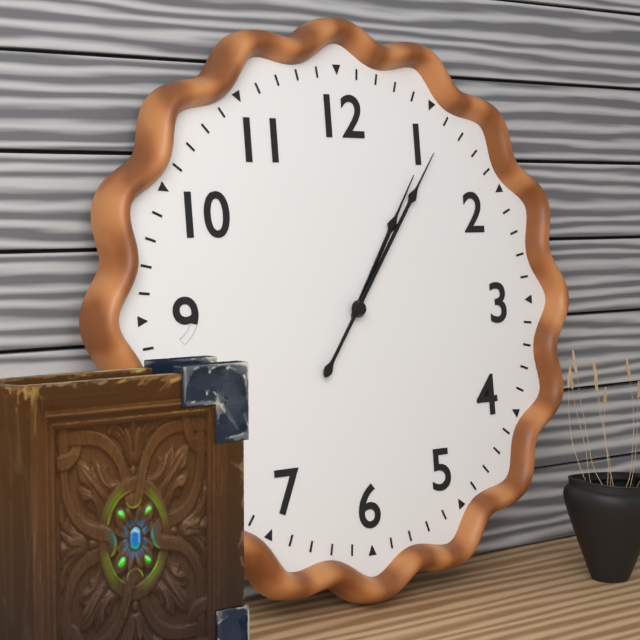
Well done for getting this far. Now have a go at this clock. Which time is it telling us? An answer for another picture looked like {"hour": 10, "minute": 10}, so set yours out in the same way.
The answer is {"hour": 1, "minute": 6}
